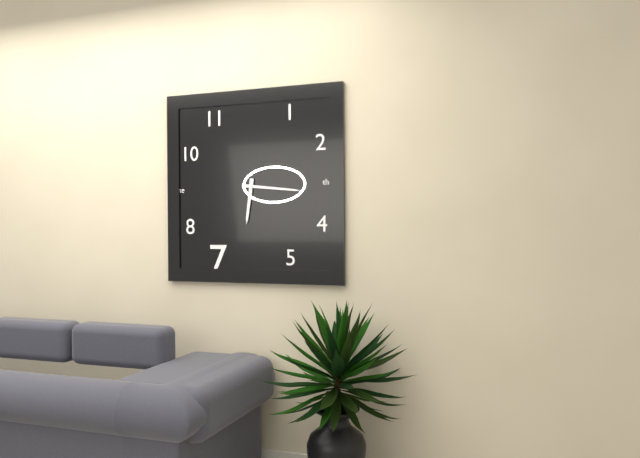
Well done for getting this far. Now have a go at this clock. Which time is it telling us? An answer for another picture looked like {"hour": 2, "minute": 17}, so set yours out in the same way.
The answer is {"hour": 6, "minute": 16}
